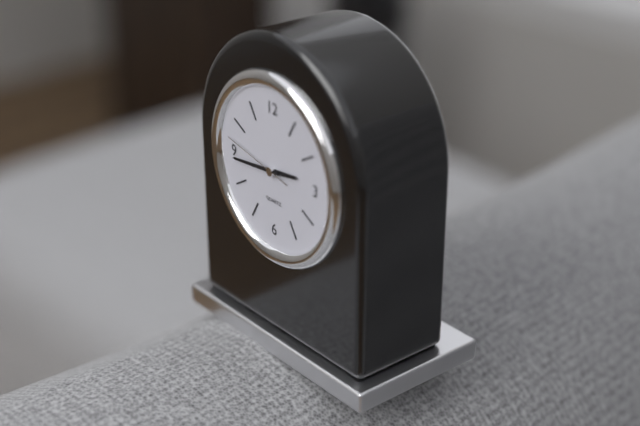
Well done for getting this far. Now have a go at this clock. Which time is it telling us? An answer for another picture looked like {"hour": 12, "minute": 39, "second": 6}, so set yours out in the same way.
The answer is {"hour": 2, "minute": 44, "second": 47}
